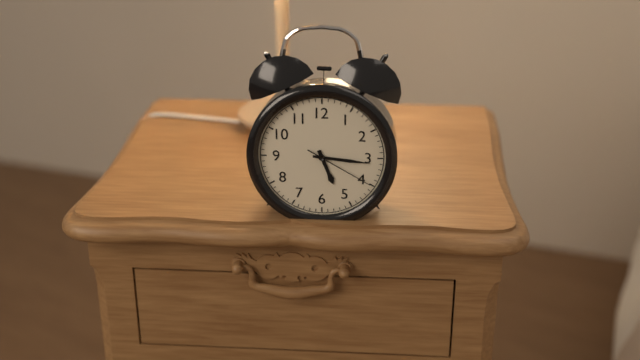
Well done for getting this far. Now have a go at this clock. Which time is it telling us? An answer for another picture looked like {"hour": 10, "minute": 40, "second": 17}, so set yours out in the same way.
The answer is {"hour": 5, "minute": 16, "second": 20}
